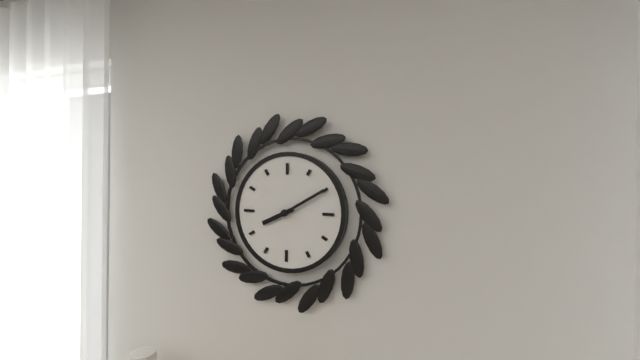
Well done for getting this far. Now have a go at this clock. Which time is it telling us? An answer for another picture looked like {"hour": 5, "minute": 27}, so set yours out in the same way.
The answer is {"hour": 8, "minute": 10}
